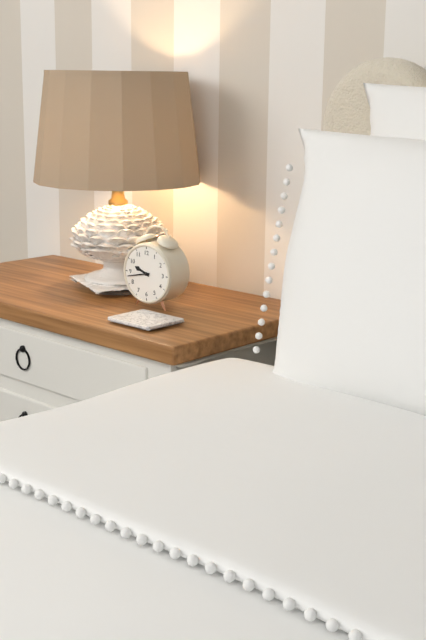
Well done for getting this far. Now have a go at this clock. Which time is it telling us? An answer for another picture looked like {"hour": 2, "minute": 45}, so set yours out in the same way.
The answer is {"hour": 9, "minute": 43}
